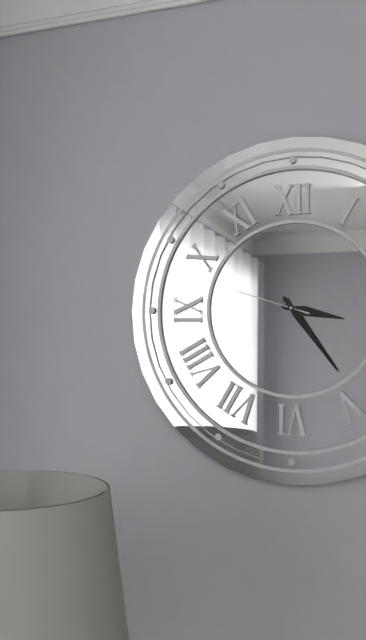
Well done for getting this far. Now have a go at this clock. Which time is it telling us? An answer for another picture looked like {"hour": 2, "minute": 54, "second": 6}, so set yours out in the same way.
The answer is {"hour": 3, "minute": 24, "second": 48}
